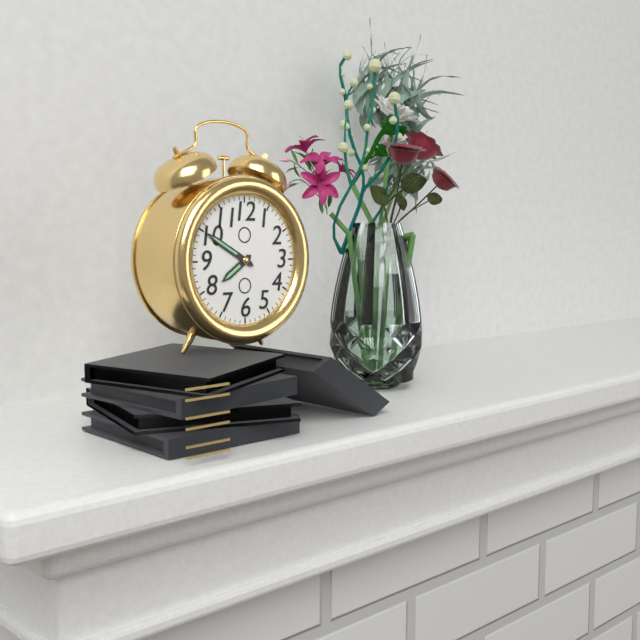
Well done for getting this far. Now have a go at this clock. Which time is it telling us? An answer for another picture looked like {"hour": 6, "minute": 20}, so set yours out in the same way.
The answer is {"hour": 7, "minute": 50}
